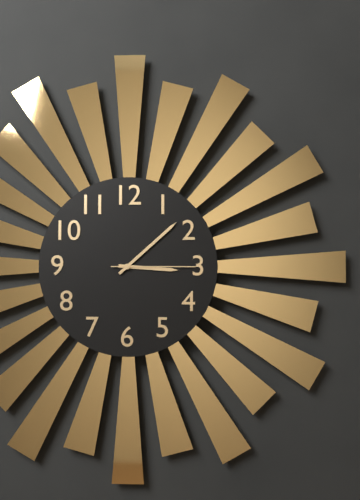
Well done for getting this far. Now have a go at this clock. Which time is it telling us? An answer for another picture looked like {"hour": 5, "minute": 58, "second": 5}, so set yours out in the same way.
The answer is {"hour": 3, "minute": 8, "second": 15}
